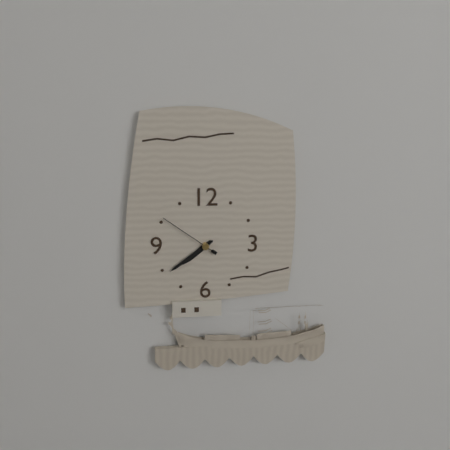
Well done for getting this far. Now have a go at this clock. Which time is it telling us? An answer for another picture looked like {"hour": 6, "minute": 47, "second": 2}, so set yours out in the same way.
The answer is {"hour": 7, "minute": 39, "second": 51}
